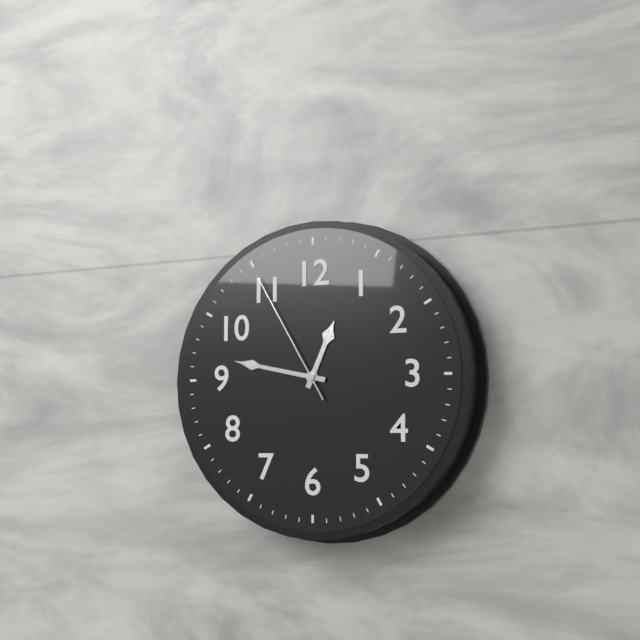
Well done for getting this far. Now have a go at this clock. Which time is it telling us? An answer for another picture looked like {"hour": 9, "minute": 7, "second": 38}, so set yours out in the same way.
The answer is {"hour": 12, "minute": 47, "second": 55}
